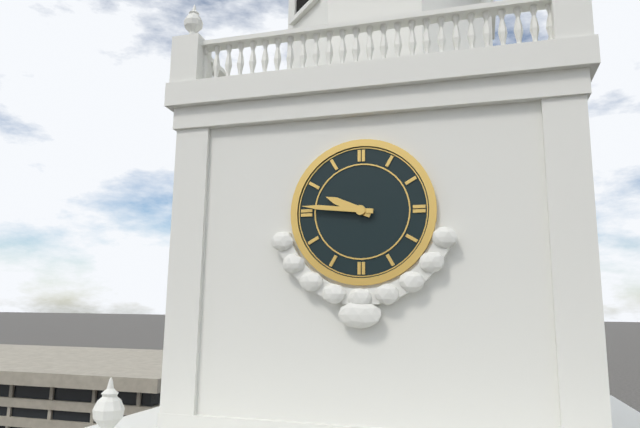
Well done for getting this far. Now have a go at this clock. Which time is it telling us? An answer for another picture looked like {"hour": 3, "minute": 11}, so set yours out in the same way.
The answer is {"hour": 9, "minute": 46}
